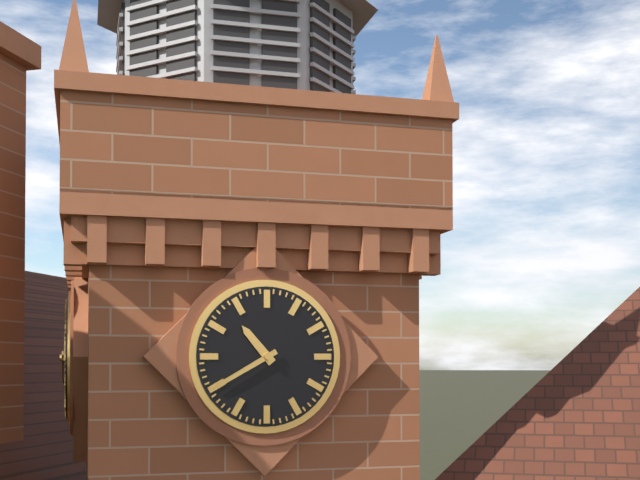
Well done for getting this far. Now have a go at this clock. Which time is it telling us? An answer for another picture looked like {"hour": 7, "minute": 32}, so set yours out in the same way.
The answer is {"hour": 10, "minute": 40}
